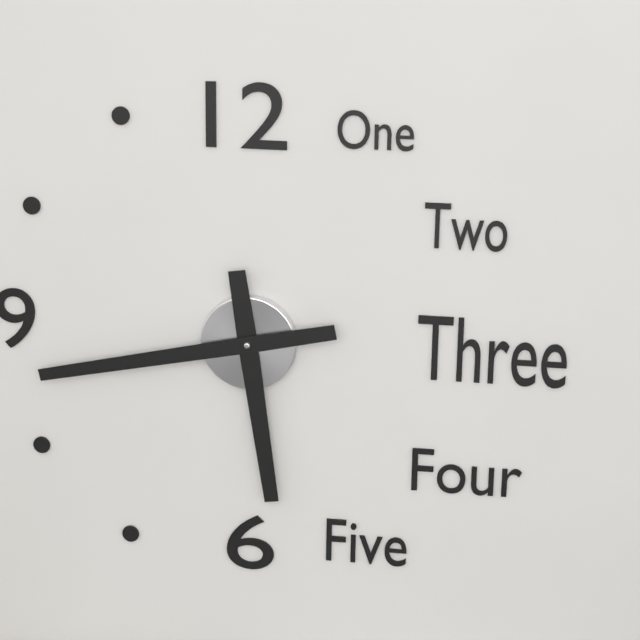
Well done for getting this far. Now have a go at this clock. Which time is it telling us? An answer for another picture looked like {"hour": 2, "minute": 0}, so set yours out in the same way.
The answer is {"hour": 5, "minute": 43}
